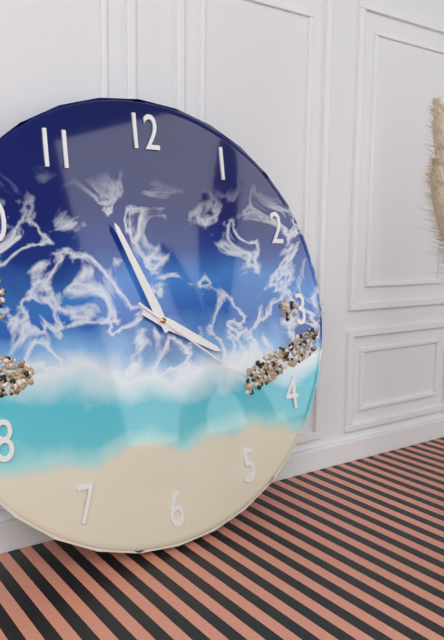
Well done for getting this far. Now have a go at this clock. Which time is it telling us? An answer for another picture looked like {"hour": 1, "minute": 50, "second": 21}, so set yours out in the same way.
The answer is {"hour": 3, "minute": 56, "second": 21}
